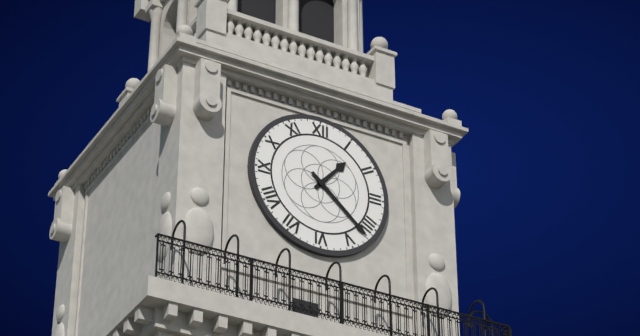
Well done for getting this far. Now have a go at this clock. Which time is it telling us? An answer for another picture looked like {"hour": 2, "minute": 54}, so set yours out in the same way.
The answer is {"hour": 1, "minute": 22}
